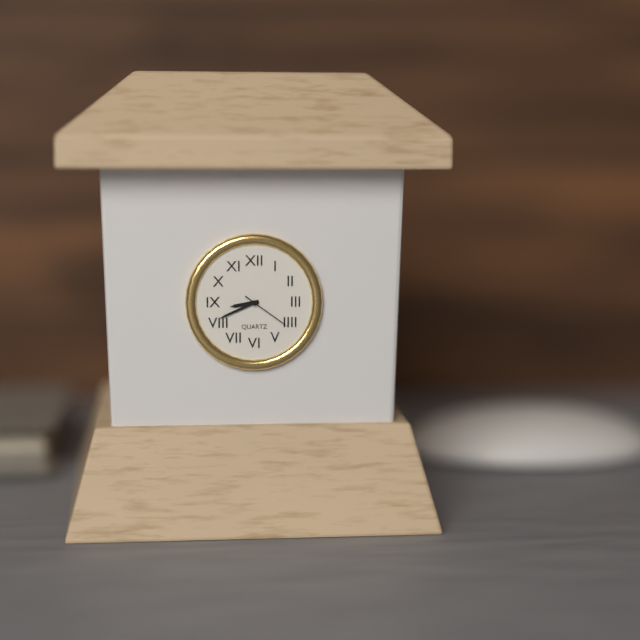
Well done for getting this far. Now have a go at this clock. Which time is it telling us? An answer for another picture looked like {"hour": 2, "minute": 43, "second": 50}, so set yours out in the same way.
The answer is {"hour": 8, "minute": 41, "second": 21}
